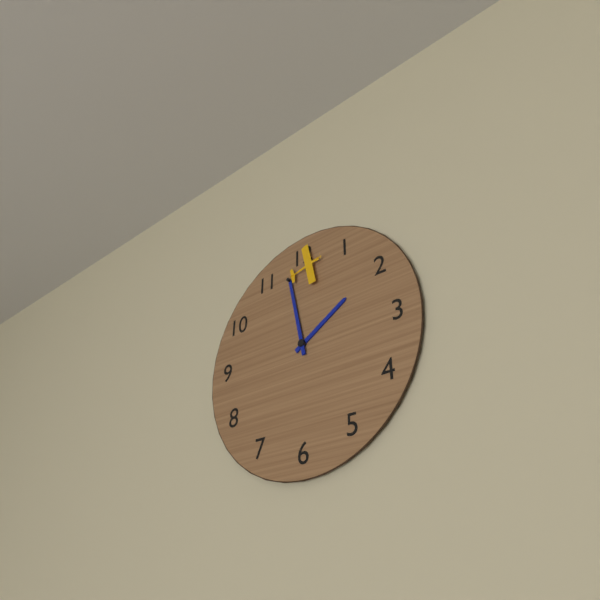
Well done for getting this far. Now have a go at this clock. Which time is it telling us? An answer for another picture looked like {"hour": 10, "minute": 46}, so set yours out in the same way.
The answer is {"hour": 1, "minute": 58}
